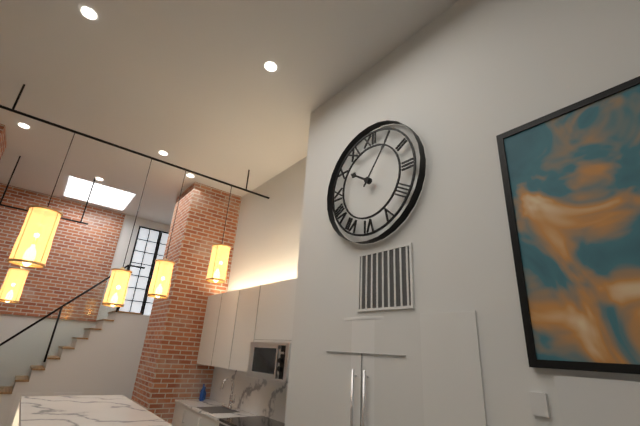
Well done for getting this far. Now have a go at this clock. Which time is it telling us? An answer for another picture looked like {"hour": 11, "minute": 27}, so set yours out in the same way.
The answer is {"hour": 10, "minute": 6}
